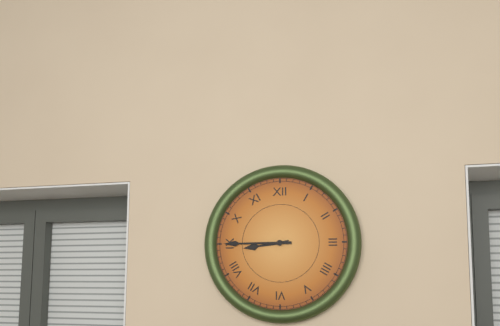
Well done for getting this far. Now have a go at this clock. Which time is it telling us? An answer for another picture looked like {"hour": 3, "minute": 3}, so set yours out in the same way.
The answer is {"hour": 8, "minute": 45}
